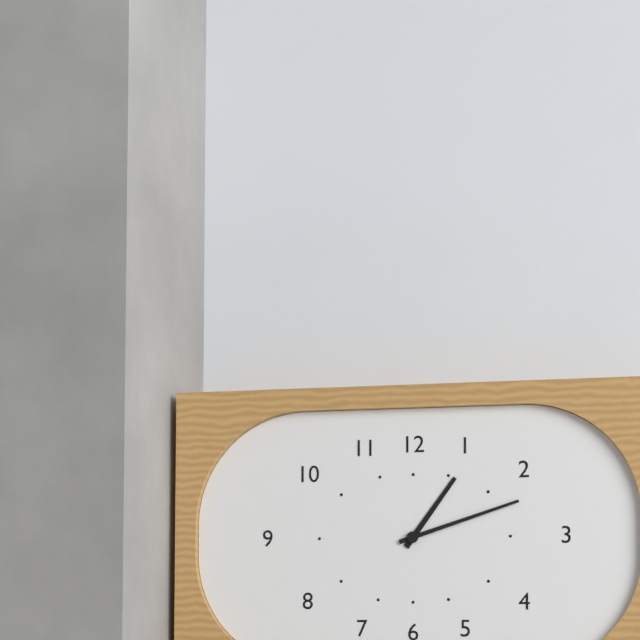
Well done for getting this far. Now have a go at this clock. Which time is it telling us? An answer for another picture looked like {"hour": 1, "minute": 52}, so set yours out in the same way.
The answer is {"hour": 1, "minute": 12}
